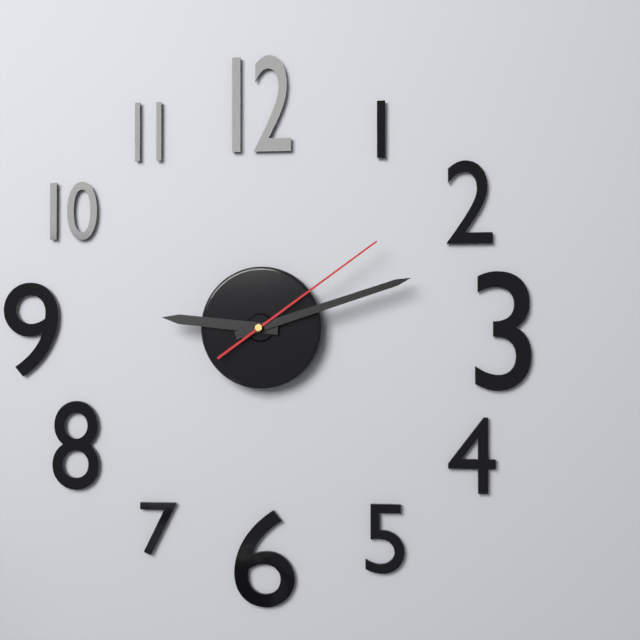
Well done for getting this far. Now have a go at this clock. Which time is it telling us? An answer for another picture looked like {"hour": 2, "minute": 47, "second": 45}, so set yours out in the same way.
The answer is {"hour": 9, "minute": 12, "second": 9}
